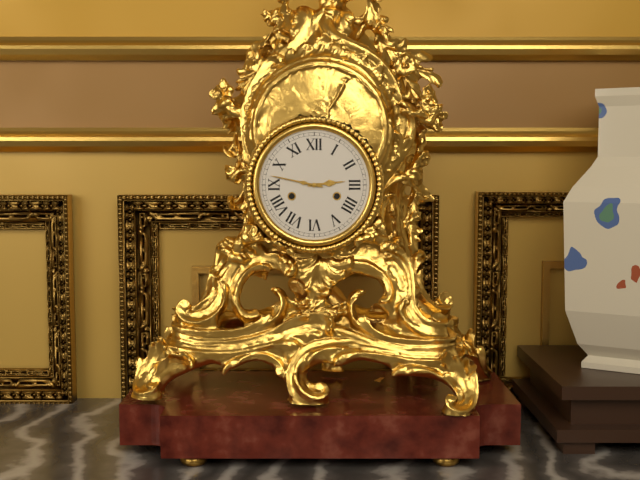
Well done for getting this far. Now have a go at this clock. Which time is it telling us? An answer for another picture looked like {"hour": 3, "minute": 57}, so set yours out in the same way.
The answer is {"hour": 2, "minute": 47}
